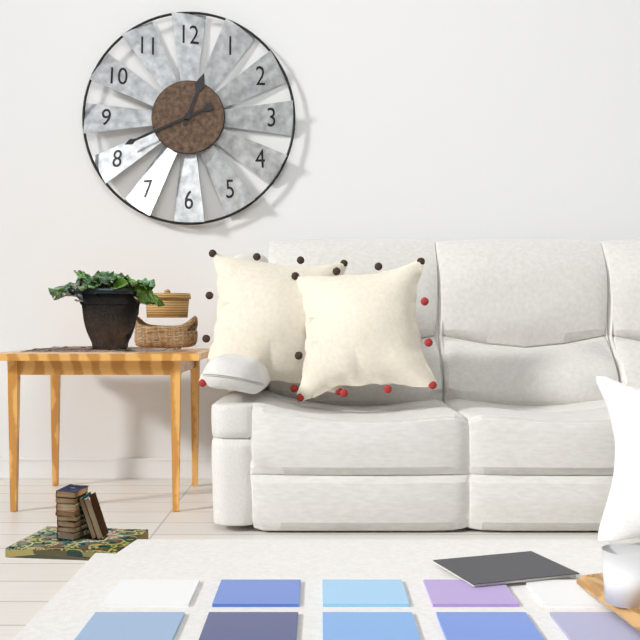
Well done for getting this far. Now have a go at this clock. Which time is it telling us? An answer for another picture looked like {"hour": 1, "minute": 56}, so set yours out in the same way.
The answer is {"hour": 12, "minute": 41}
